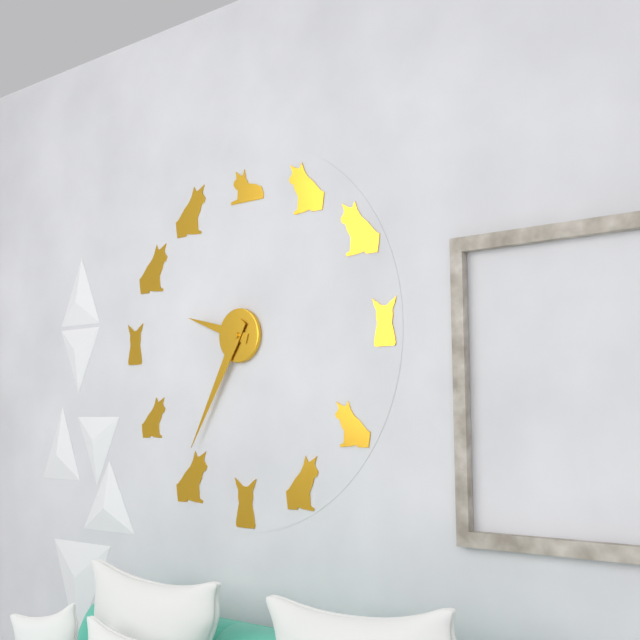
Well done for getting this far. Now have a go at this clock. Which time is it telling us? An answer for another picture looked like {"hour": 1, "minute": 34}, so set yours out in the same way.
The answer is {"hour": 9, "minute": 35}
